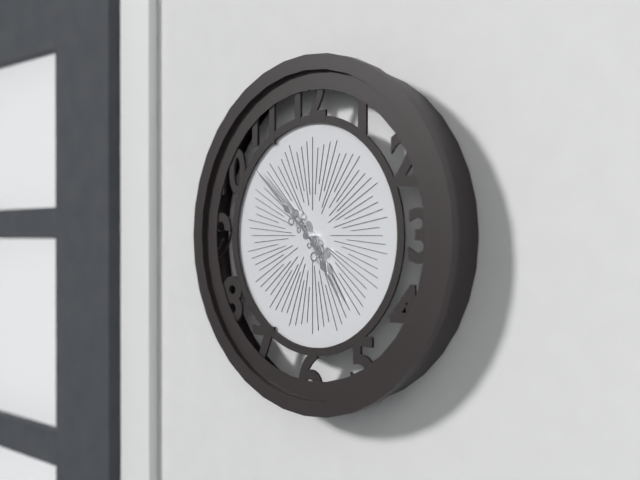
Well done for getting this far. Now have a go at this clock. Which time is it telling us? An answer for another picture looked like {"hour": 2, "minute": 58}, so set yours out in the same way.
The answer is {"hour": 4, "minute": 52}
